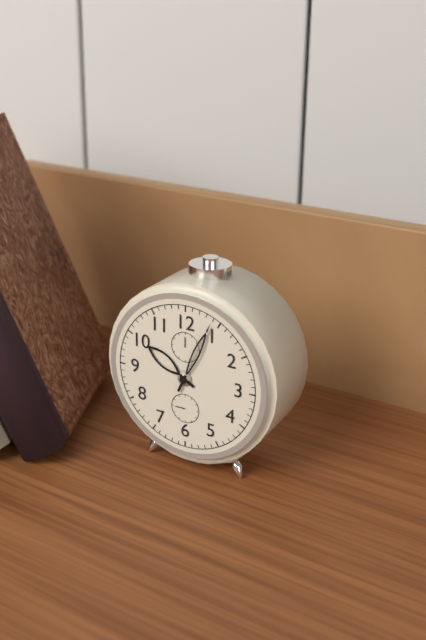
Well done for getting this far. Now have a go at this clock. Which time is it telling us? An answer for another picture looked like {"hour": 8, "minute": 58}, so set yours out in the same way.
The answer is {"hour": 10, "minute": 4}
